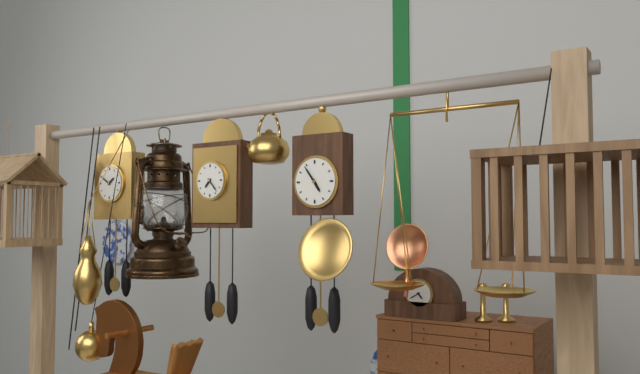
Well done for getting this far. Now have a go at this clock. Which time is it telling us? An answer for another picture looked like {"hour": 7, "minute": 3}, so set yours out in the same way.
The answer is {"hour": 4, "minute": 54}
